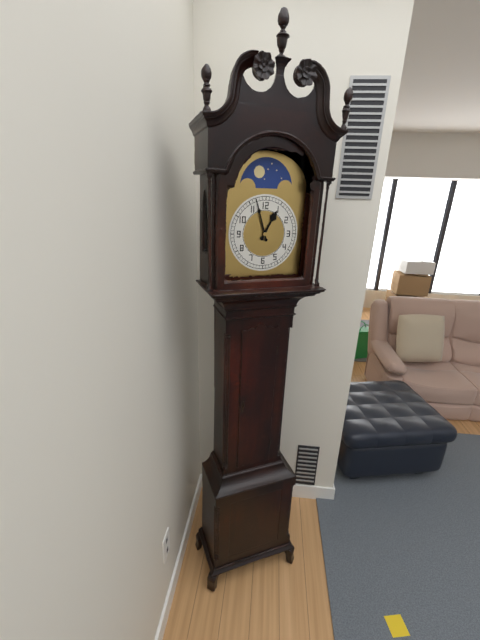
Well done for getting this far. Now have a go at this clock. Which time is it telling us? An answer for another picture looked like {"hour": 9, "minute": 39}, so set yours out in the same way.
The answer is {"hour": 12, "minute": 57}
